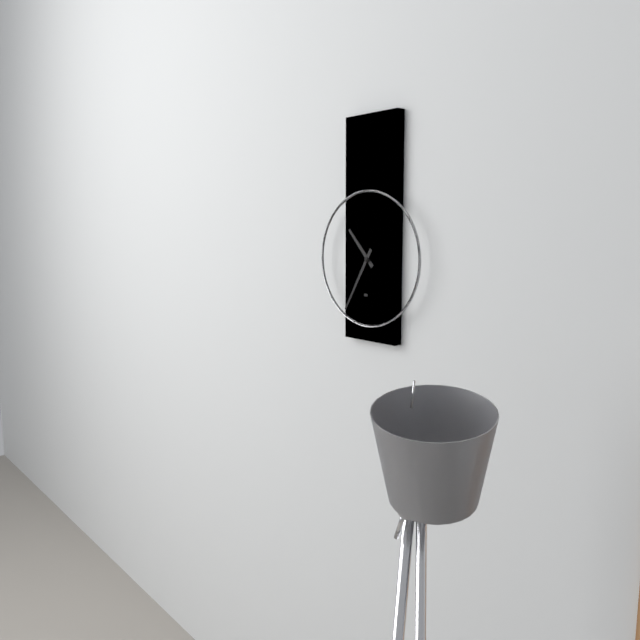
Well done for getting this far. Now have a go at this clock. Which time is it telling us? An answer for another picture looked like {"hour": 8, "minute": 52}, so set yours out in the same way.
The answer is {"hour": 10, "minute": 35}
